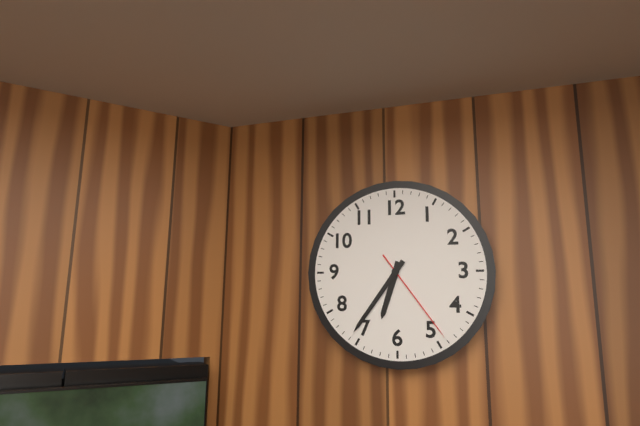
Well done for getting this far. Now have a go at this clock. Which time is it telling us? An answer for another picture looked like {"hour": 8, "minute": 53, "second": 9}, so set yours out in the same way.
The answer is {"hour": 6, "minute": 36, "second": 24}
